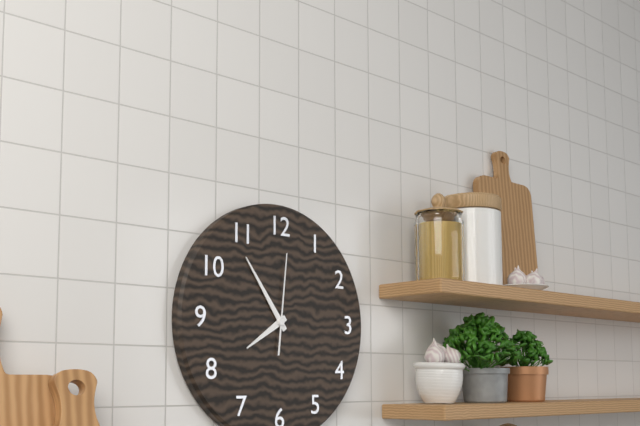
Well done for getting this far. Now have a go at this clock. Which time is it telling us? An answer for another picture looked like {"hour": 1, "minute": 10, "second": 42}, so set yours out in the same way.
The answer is {"hour": 7, "minute": 54, "second": 1}
